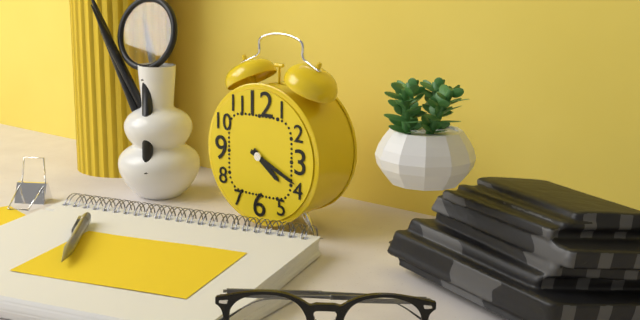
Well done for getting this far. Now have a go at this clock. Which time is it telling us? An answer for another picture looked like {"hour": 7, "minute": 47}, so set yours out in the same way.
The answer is {"hour": 4, "minute": 19}
